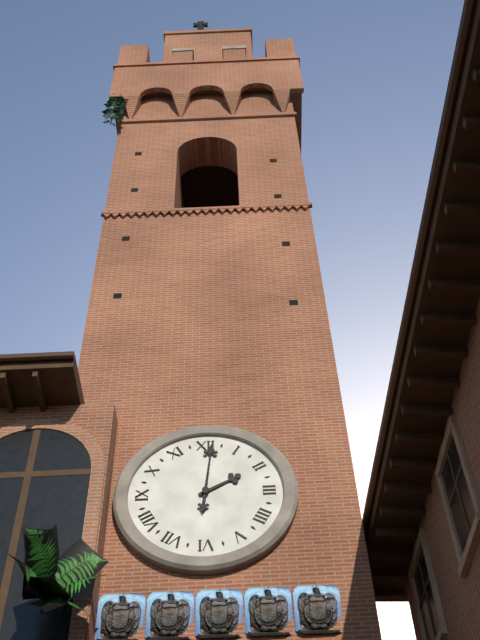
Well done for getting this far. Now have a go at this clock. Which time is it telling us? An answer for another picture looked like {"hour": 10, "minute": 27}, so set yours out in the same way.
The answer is {"hour": 2, "minute": 1}
